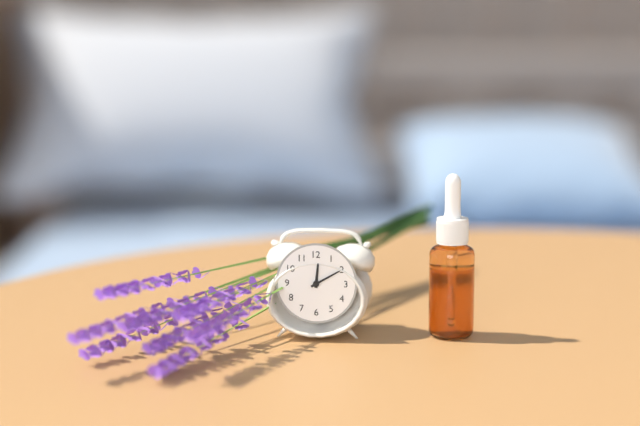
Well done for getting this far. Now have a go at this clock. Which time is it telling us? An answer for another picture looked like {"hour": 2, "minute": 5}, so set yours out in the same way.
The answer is {"hour": 12, "minute": 10}
